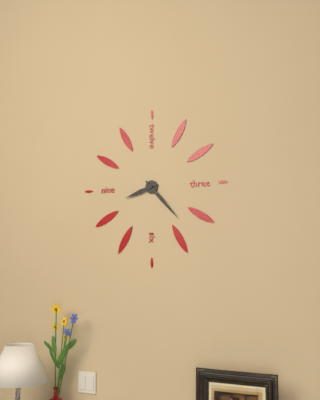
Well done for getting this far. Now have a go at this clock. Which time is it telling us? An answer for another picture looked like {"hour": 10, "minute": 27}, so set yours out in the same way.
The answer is {"hour": 8, "minute": 23}
